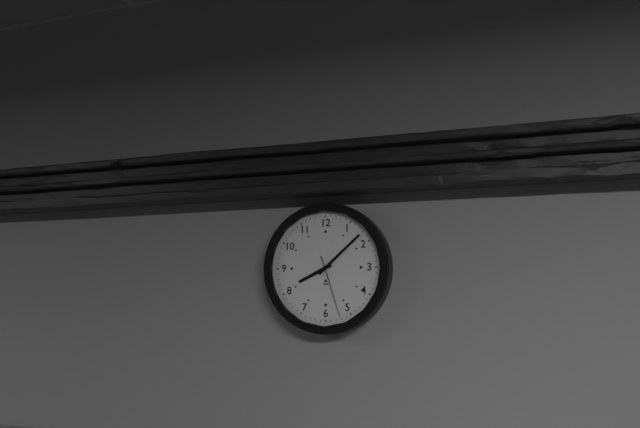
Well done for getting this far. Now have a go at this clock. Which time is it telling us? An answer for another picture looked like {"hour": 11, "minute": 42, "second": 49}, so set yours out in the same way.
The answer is {"hour": 8, "minute": 8, "second": 27}
